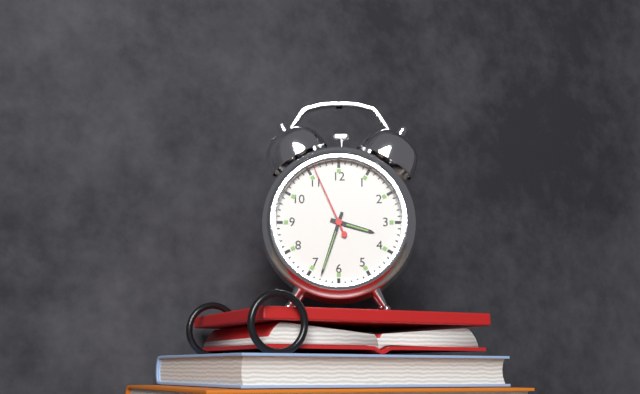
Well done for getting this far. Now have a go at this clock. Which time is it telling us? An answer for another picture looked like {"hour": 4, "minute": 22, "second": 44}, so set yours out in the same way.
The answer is {"hour": 3, "minute": 33, "second": 56}
